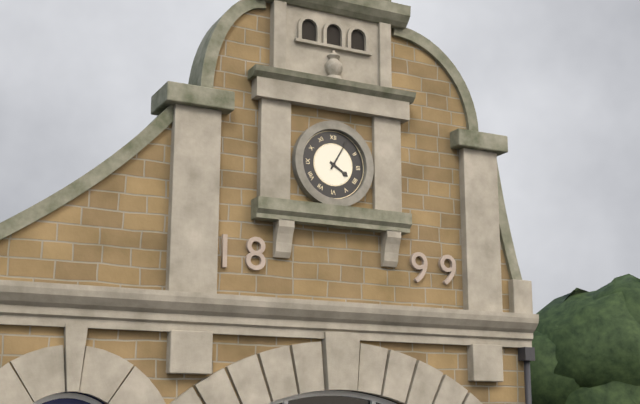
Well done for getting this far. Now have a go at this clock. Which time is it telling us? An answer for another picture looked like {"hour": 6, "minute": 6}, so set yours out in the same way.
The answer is {"hour": 4, "minute": 5}
